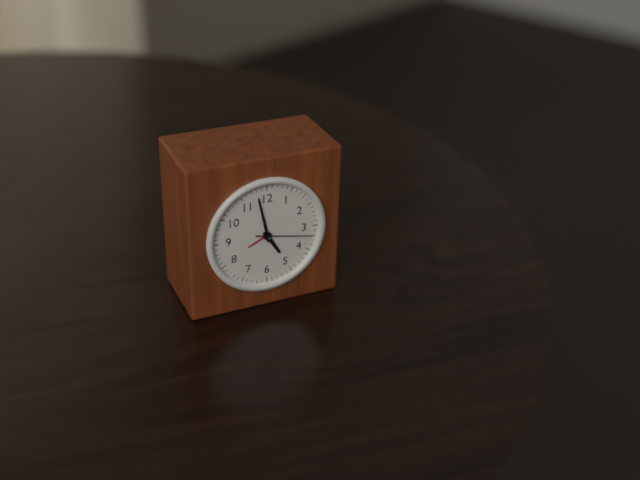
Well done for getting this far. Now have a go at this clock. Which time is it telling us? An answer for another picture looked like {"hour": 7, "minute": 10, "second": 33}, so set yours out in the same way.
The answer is {"hour": 4, "minute": 58, "second": 17}
